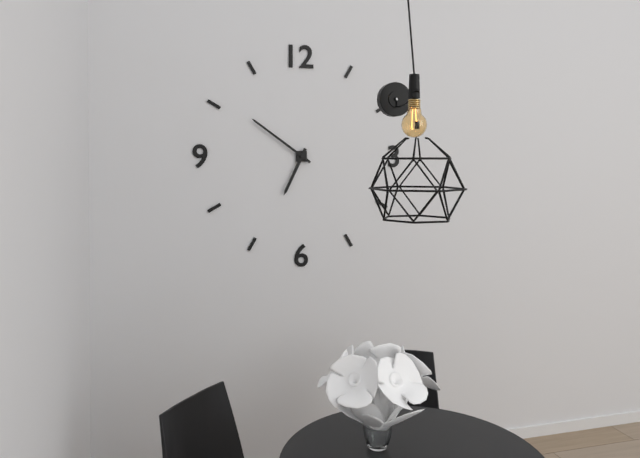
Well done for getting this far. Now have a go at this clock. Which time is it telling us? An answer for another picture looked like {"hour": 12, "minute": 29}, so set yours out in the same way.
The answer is {"hour": 6, "minute": 51}
